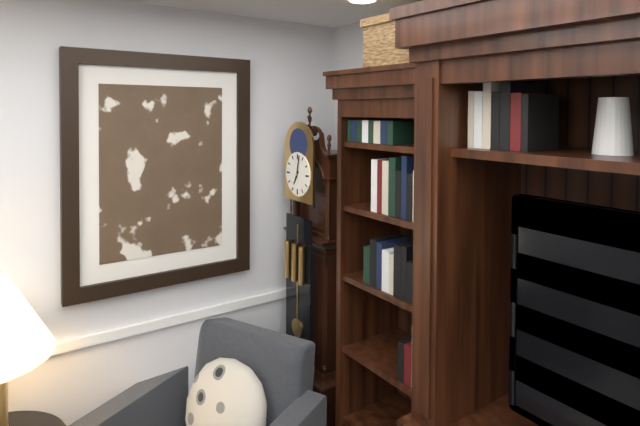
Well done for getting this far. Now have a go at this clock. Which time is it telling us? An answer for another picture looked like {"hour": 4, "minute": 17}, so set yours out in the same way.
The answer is {"hour": 7, "minute": 2}
